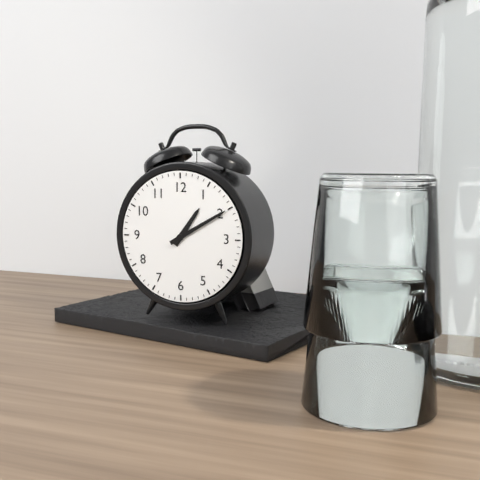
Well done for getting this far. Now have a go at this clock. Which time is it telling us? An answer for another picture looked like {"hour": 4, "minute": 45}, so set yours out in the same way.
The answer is {"hour": 1, "minute": 10}
